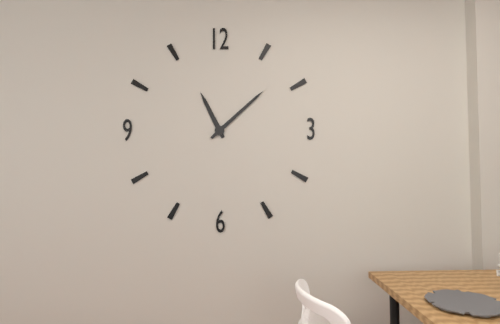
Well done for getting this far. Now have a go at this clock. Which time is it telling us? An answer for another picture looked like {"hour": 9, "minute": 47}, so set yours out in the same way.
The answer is {"hour": 11, "minute": 8}
